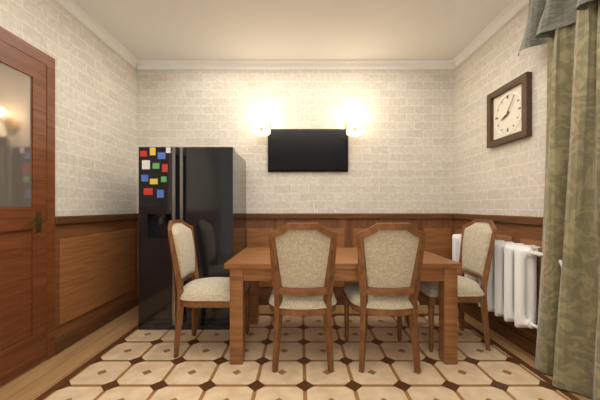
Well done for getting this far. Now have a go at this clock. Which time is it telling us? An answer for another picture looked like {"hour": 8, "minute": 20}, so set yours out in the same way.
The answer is {"hour": 8, "minute": 6}
